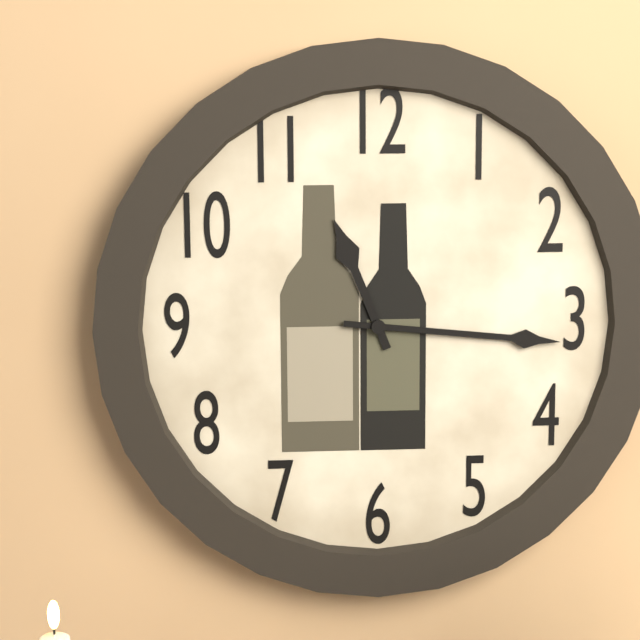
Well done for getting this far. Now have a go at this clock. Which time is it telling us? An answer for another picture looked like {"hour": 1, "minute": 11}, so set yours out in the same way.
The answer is {"hour": 11, "minute": 16}
